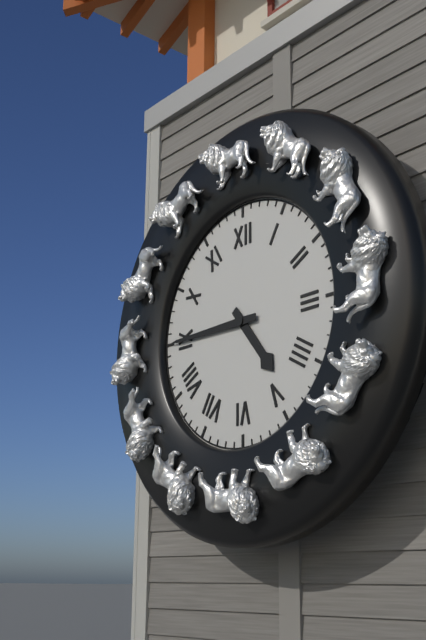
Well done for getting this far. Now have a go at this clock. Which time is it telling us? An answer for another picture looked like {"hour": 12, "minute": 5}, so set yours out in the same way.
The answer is {"hour": 4, "minute": 45}
